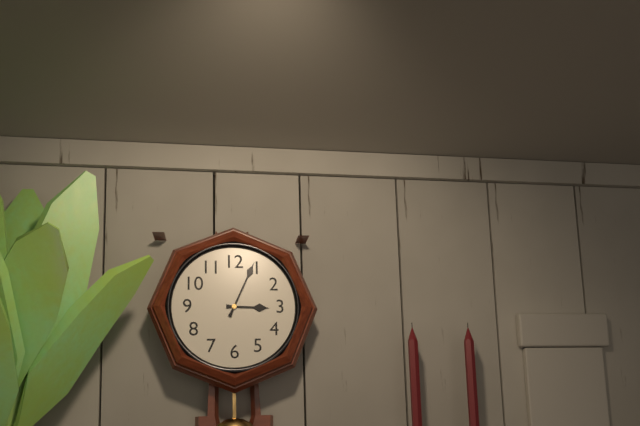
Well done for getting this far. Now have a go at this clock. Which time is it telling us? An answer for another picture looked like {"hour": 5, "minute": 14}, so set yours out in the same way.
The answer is {"hour": 3, "minute": 4}
